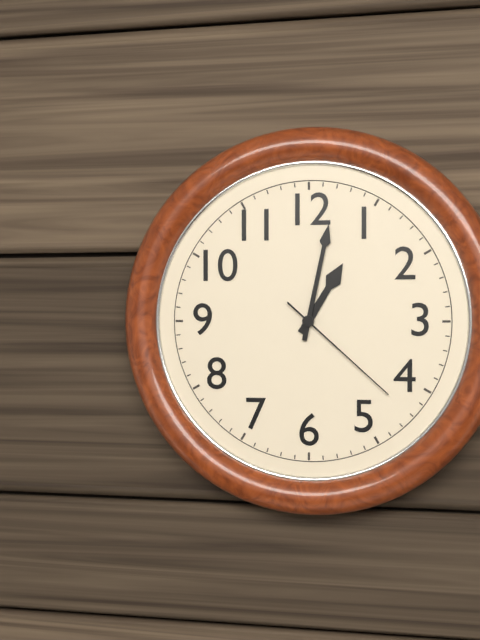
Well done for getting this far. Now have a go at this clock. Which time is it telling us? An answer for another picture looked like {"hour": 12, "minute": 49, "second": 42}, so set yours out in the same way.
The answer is {"hour": 1, "minute": 2, "second": 22}
